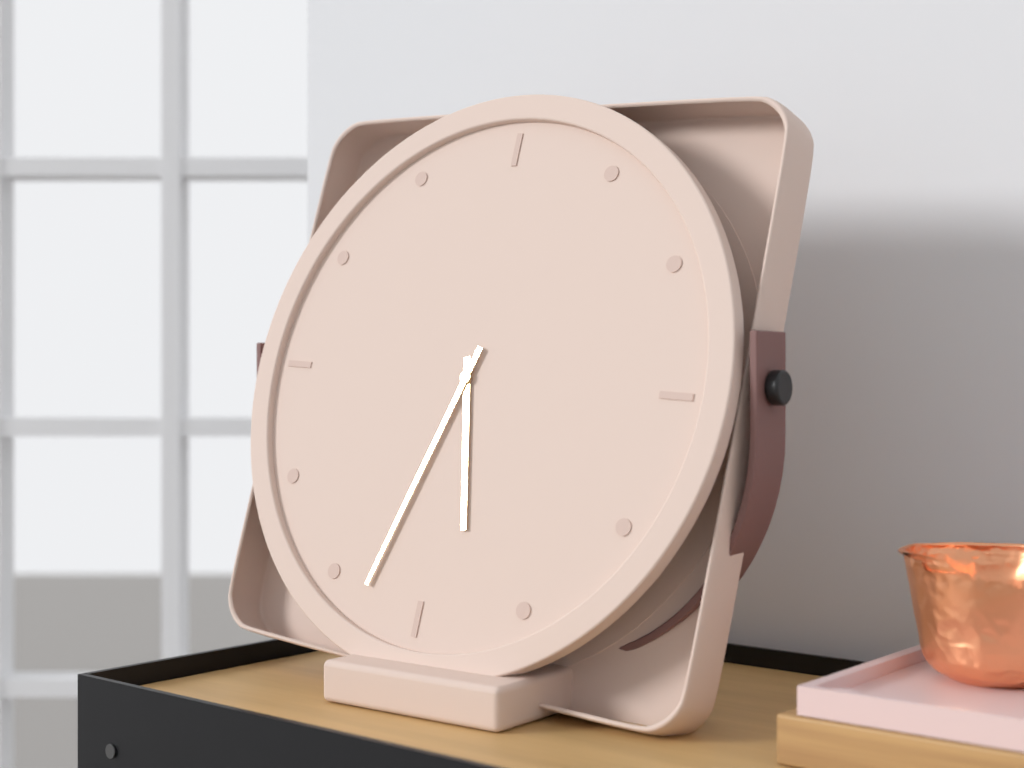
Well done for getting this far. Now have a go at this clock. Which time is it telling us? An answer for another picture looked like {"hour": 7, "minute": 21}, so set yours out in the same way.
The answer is {"hour": 5, "minute": 33}
